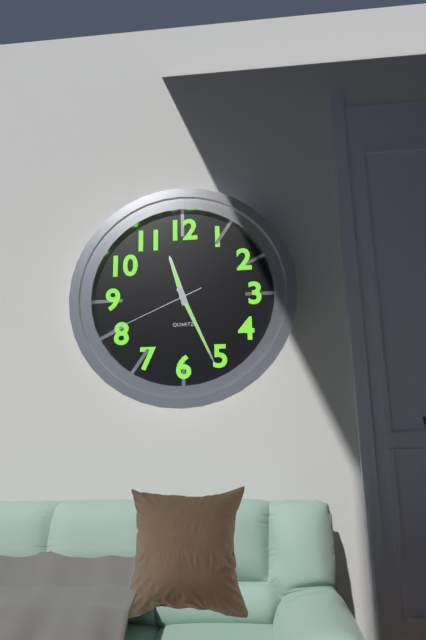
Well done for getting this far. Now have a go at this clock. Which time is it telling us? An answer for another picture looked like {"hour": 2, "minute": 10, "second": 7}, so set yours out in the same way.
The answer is {"hour": 11, "minute": 26, "second": 41}
